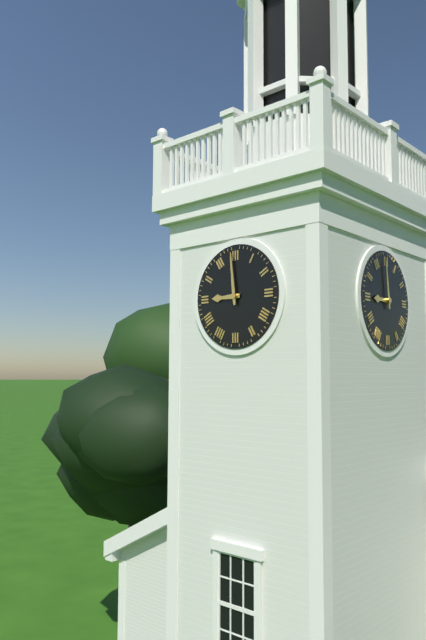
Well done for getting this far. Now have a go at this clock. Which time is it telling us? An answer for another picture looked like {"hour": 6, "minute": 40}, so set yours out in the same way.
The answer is {"hour": 8, "minute": 59}
